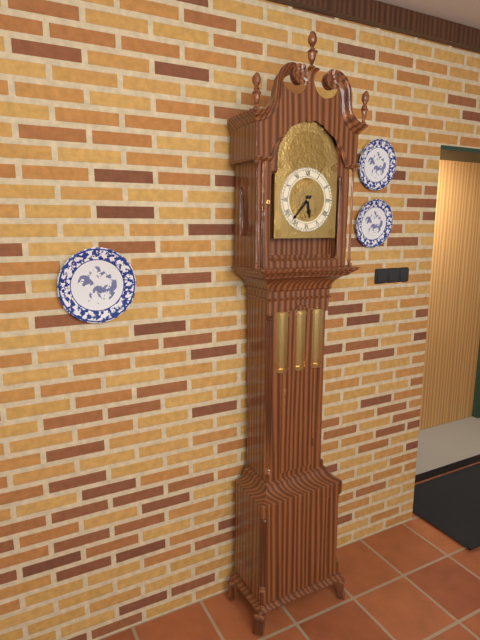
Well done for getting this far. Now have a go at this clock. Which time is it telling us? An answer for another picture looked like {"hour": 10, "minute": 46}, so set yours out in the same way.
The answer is {"hour": 5, "minute": 37}
